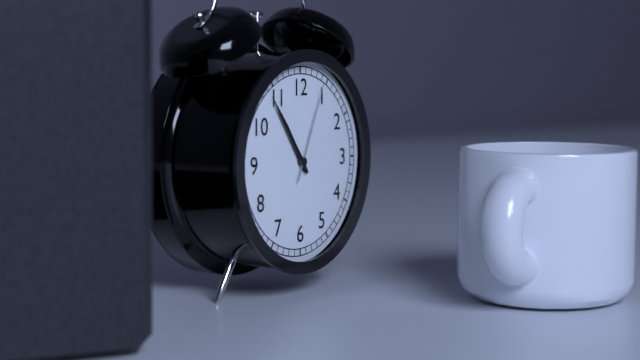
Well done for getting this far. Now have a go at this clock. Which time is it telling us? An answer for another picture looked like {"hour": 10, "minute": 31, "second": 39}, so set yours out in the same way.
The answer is {"hour": 10, "minute": 54, "second": 4}
